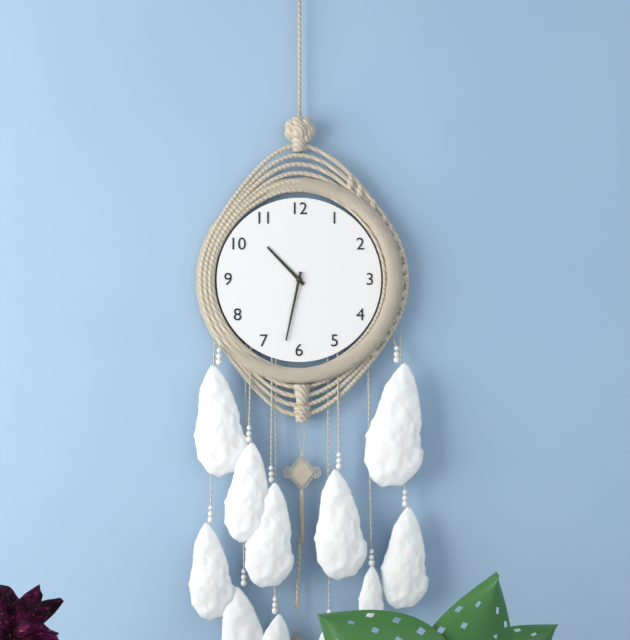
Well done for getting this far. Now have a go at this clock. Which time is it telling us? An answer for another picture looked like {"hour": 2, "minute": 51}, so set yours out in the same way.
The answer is {"hour": 10, "minute": 32}
